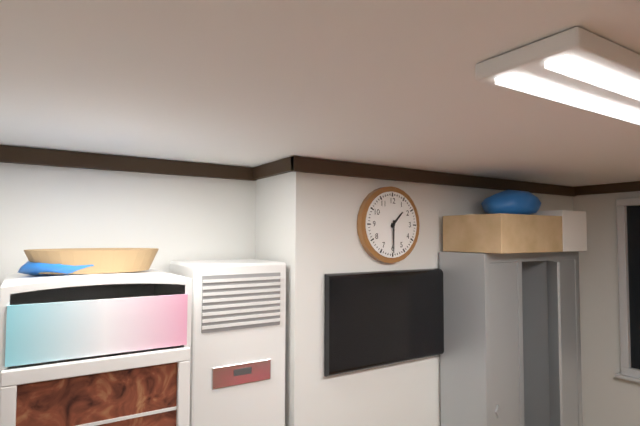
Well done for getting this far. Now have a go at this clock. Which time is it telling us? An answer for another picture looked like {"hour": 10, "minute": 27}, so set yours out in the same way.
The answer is {"hour": 1, "minute": 30}
